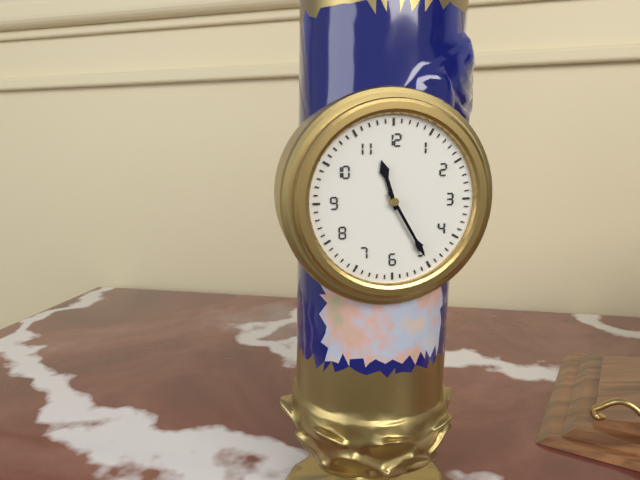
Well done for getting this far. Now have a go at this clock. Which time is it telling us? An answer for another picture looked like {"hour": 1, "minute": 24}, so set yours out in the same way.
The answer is {"hour": 11, "minute": 25}
